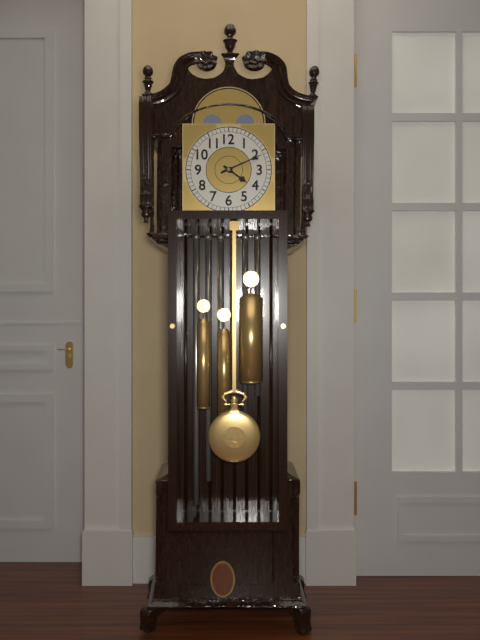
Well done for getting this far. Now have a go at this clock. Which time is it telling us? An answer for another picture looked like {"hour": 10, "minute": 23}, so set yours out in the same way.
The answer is {"hour": 4, "minute": 11}
